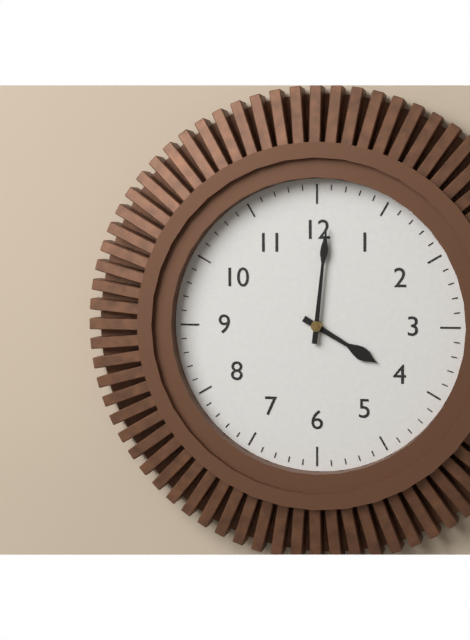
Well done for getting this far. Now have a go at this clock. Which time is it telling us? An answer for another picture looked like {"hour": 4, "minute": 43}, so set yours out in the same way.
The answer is {"hour": 4, "minute": 1}
